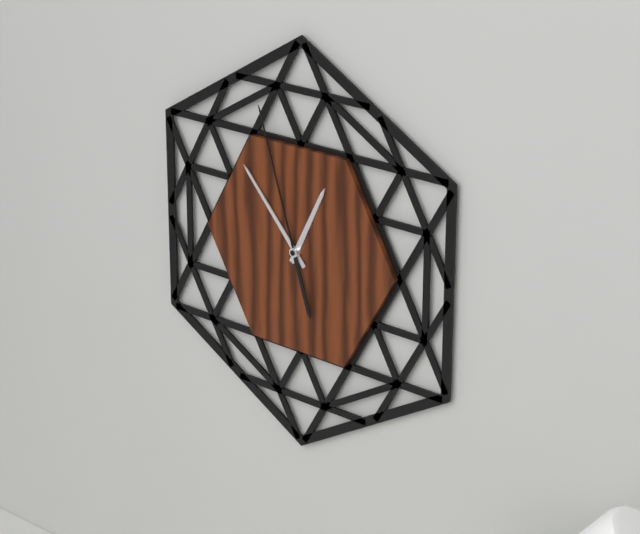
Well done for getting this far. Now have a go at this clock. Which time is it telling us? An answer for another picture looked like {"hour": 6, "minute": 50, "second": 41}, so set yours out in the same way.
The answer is {"hour": 12, "minute": 53, "second": 57}
